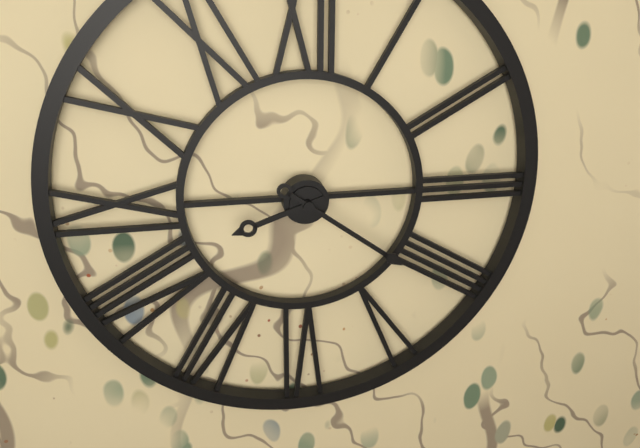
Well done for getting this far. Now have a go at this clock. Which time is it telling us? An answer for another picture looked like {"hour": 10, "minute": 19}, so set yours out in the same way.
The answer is {"hour": 8, "minute": 21}
